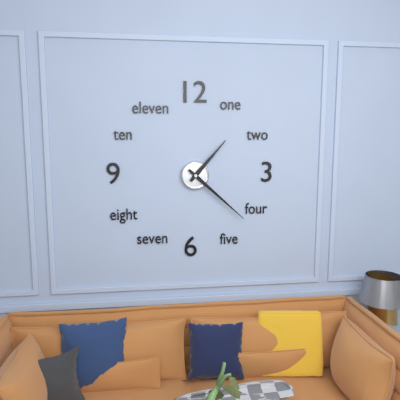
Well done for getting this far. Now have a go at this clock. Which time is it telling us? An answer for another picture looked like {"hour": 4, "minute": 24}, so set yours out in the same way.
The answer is {"hour": 1, "minute": 22}
